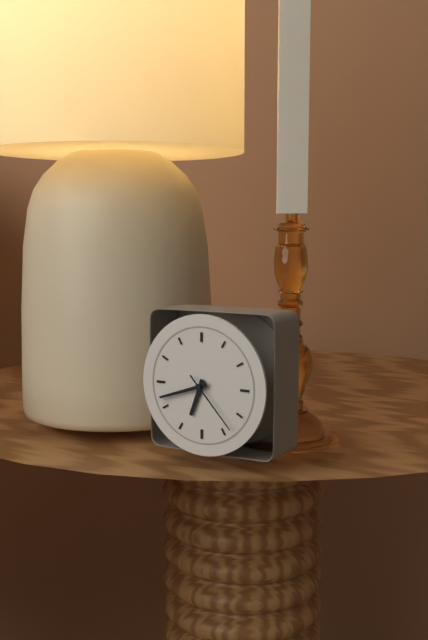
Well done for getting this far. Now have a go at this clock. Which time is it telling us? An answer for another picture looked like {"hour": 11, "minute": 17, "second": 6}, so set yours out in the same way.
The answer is {"hour": 6, "minute": 42, "second": 23}
